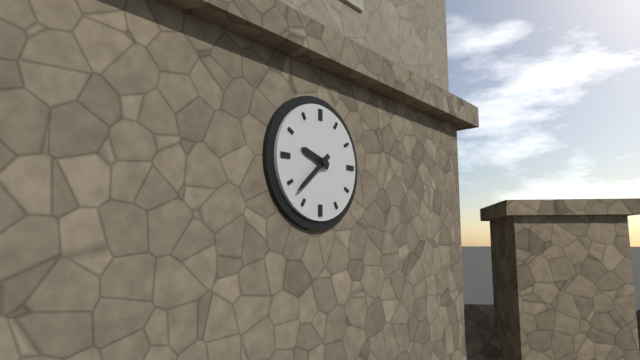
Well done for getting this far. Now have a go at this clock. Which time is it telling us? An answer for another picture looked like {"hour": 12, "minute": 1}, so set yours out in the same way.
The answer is {"hour": 9, "minute": 38}
